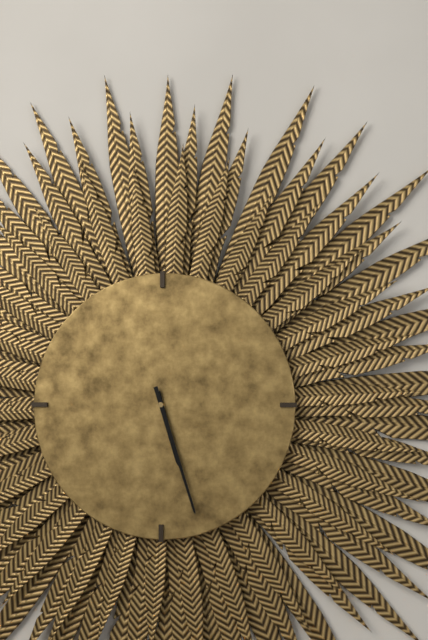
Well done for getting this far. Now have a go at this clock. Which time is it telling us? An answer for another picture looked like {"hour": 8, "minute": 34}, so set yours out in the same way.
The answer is {"hour": 5, "minute": 27}
